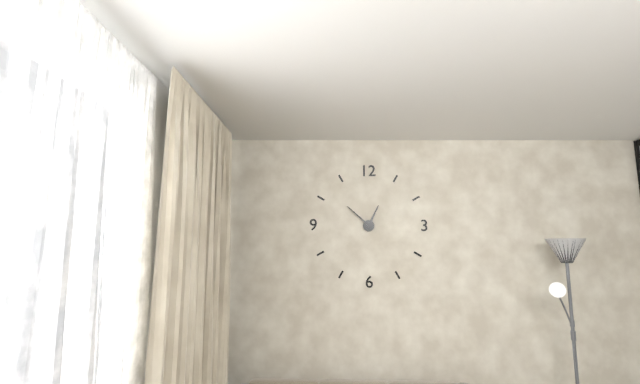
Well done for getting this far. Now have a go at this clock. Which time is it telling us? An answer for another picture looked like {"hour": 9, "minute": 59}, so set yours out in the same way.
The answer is {"hour": 12, "minute": 52}
